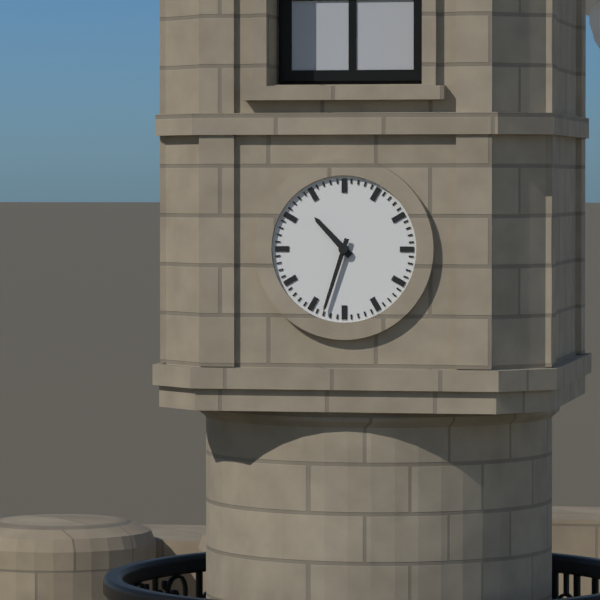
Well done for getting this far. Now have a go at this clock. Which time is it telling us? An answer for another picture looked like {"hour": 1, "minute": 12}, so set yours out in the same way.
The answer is {"hour": 10, "minute": 33}
